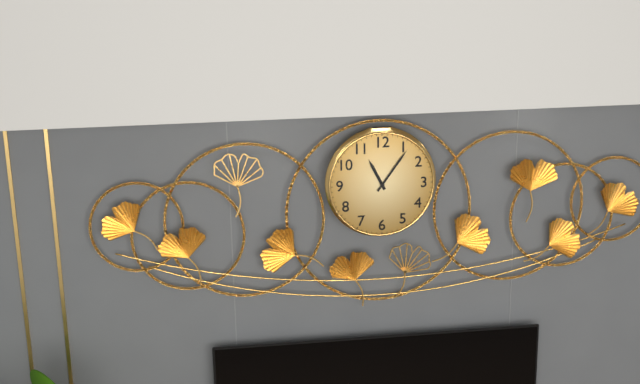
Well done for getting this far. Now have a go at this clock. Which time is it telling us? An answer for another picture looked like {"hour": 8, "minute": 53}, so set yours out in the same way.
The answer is {"hour": 11, "minute": 6}
